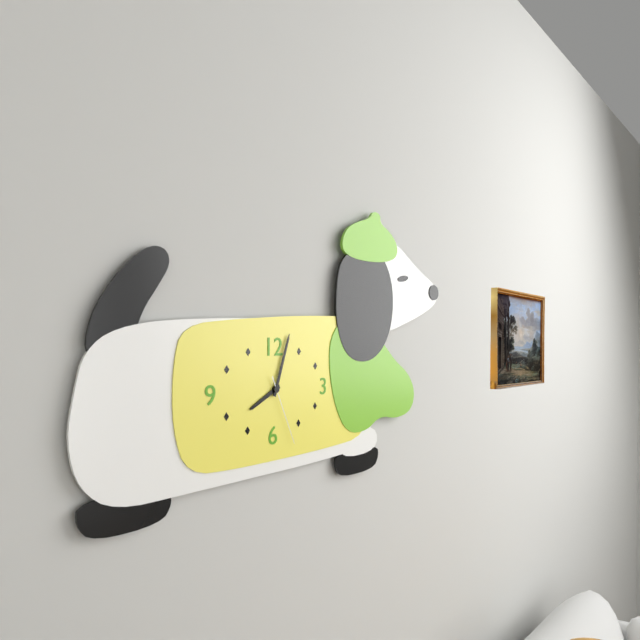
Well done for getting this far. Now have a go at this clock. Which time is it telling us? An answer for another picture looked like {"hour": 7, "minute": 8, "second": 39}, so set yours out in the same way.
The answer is {"hour": 8, "minute": 3, "second": 26}
